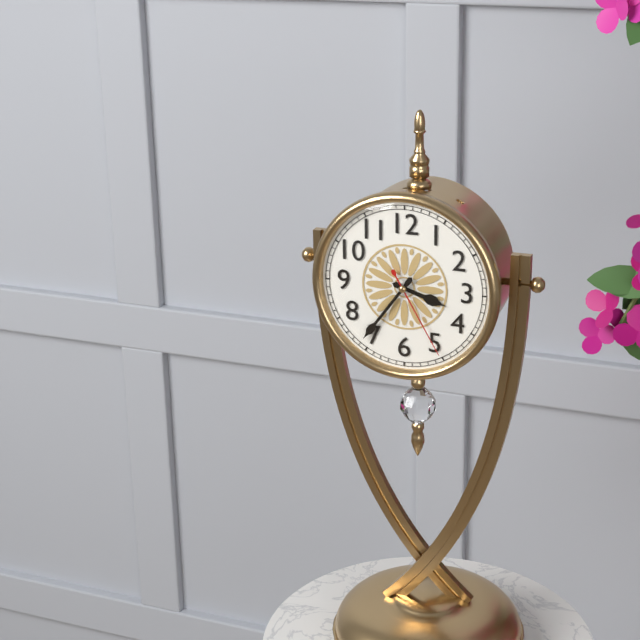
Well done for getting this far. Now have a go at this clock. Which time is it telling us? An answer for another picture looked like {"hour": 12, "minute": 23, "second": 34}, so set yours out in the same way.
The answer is {"hour": 3, "minute": 36, "second": 25}
